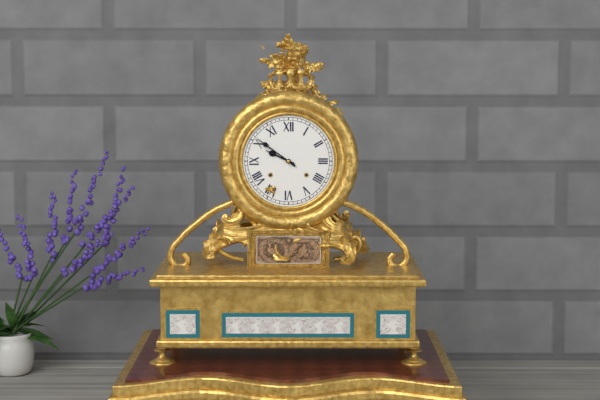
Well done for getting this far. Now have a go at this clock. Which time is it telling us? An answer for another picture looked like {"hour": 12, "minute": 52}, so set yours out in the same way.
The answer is {"hour": 9, "minute": 51}
